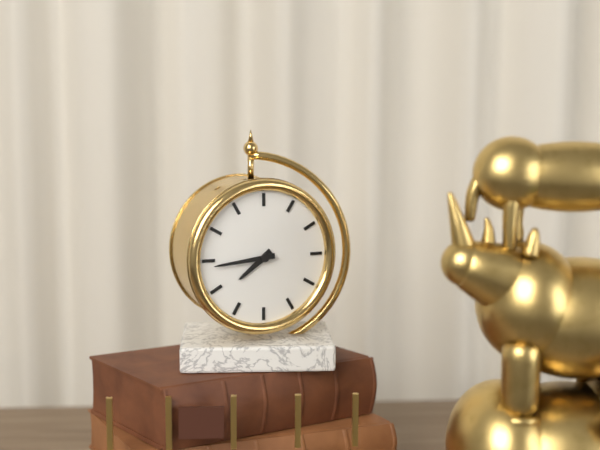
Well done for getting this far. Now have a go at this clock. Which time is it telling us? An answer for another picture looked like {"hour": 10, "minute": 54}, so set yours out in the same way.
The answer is {"hour": 7, "minute": 44}
